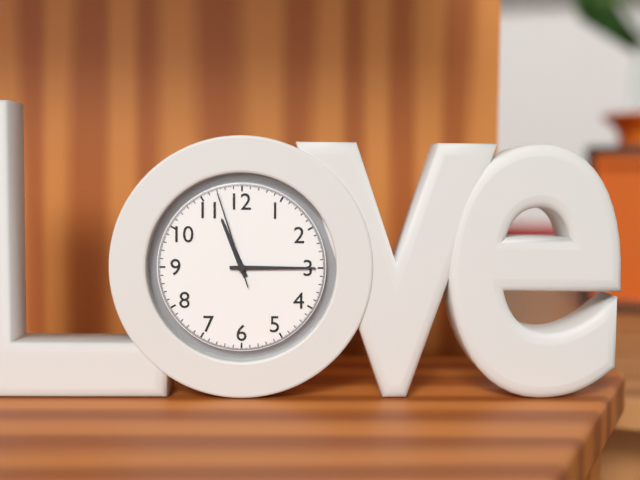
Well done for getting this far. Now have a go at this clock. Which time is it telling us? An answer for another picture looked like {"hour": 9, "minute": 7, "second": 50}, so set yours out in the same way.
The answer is {"hour": 11, "minute": 15, "second": 57}
